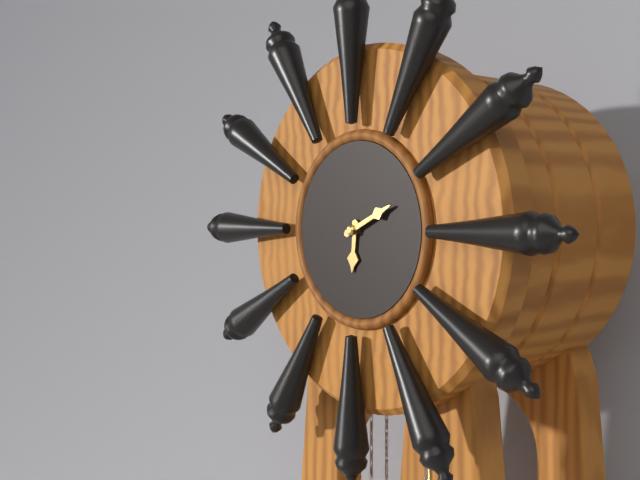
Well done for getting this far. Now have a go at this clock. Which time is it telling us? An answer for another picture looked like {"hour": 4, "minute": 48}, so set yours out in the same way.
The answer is {"hour": 6, "minute": 11}
